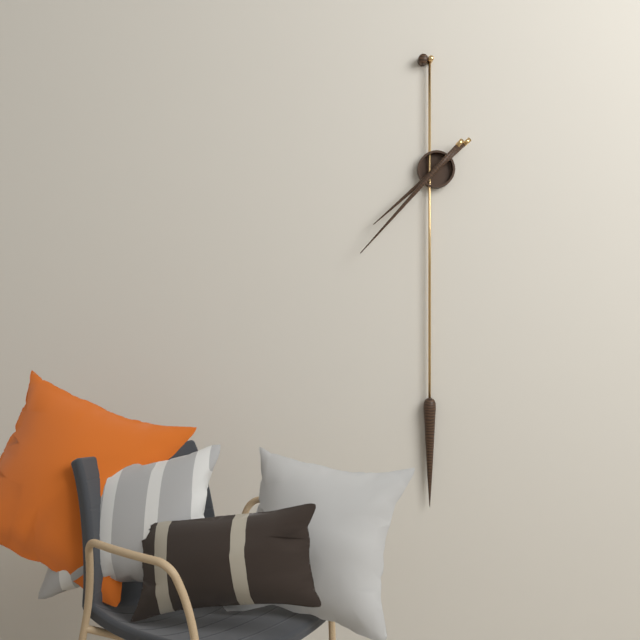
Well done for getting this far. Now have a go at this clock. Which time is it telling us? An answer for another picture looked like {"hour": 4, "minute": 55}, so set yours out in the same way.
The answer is {"hour": 7, "minute": 37}
